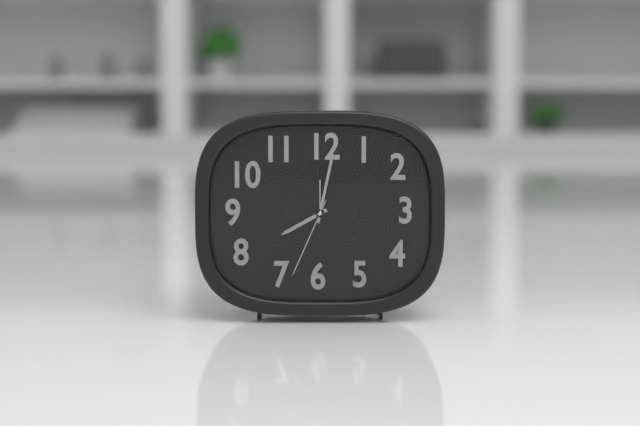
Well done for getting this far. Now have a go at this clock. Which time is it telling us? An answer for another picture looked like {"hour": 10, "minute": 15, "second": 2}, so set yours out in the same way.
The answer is {"hour": 8, "minute": 2, "second": 34}
